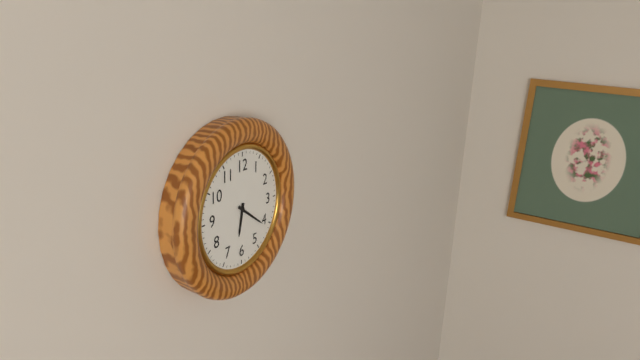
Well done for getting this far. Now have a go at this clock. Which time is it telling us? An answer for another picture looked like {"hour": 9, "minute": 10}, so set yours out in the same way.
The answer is {"hour": 6, "minute": 21}
